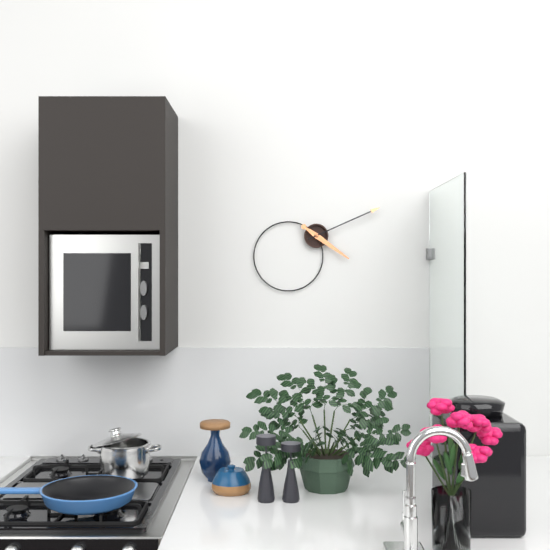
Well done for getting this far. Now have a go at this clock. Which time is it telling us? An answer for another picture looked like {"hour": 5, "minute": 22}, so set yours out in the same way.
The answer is {"hour": 4, "minute": 11}
